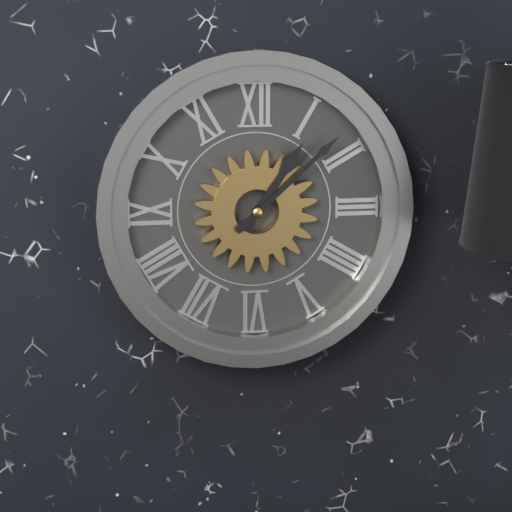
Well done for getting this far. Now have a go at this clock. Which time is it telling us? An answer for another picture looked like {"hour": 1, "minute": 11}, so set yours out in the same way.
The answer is {"hour": 1, "minute": 8}
